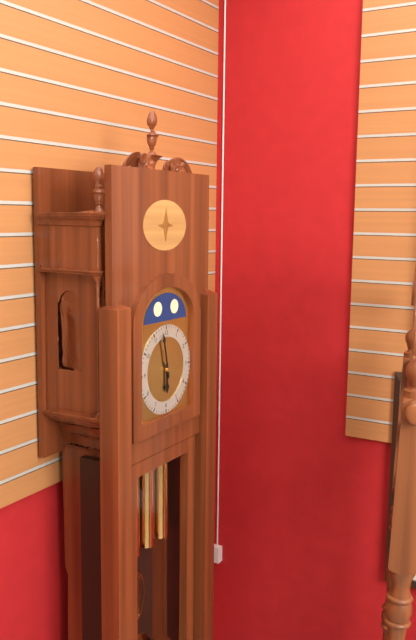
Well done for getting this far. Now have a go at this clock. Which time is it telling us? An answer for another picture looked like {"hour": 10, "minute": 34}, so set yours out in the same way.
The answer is {"hour": 5, "minute": 58}
